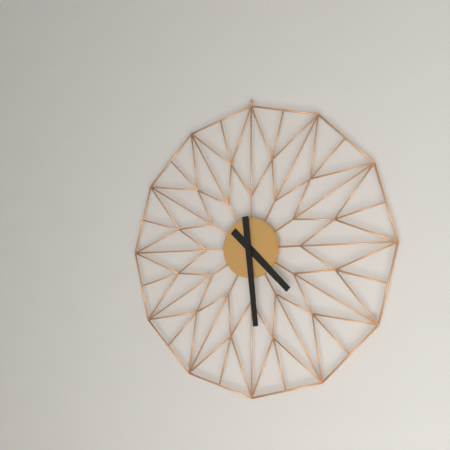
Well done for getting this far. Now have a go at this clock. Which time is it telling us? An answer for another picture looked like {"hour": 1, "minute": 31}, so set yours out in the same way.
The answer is {"hour": 4, "minute": 29}
